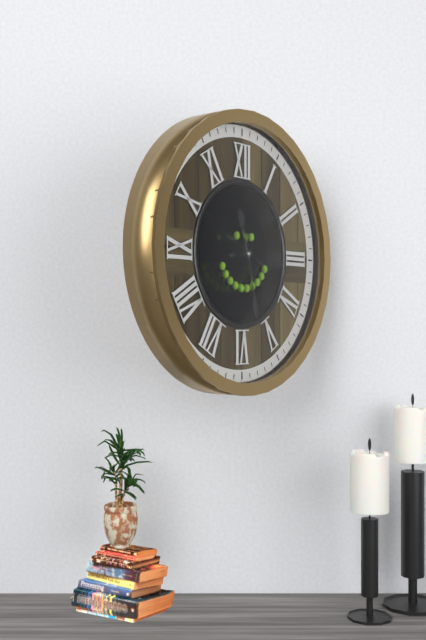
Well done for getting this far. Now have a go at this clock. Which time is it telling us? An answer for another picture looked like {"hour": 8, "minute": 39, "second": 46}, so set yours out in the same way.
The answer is {"hour": 11, "minute": 28, "second": 49}
